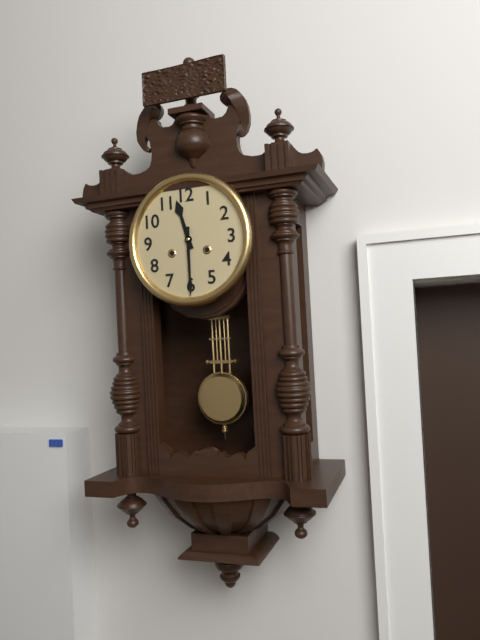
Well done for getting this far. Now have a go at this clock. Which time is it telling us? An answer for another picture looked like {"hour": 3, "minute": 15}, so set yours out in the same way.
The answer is {"hour": 11, "minute": 30}
